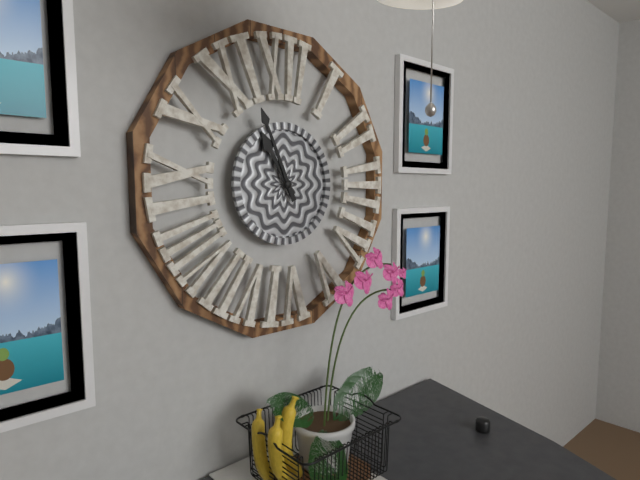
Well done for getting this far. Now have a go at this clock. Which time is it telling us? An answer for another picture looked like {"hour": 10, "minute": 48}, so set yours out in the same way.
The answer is {"hour": 10, "minute": 56}
